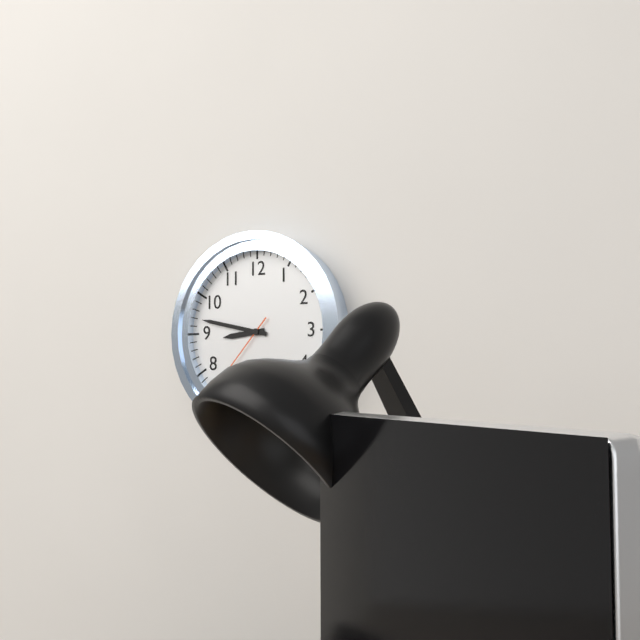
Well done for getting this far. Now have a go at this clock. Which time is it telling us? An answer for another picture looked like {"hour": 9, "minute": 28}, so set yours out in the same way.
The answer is {"hour": 8, "minute": 47}
